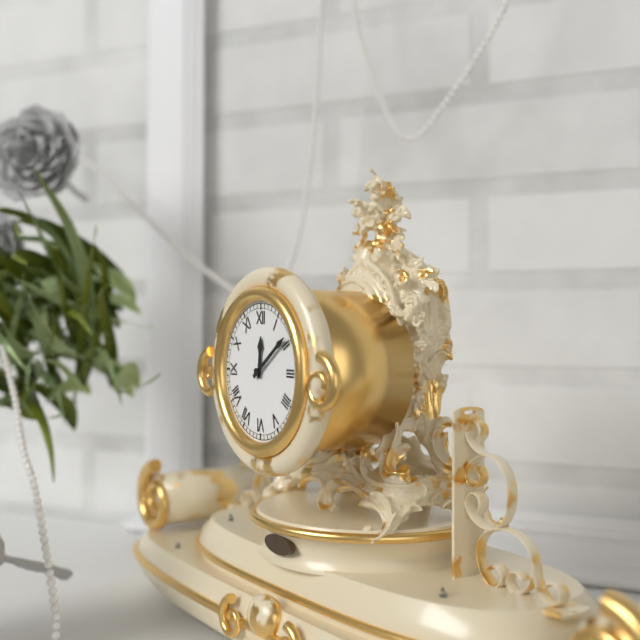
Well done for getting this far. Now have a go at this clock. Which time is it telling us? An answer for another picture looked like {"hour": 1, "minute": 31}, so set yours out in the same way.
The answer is {"hour": 12, "minute": 9}
